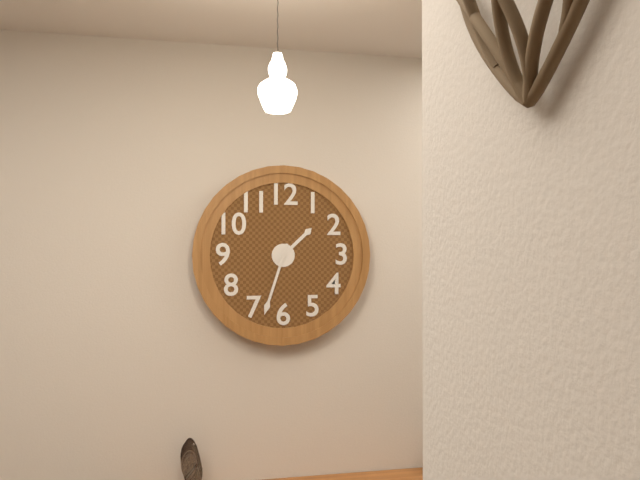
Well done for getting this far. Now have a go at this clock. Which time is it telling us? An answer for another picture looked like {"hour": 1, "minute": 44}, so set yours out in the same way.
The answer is {"hour": 1, "minute": 33}
